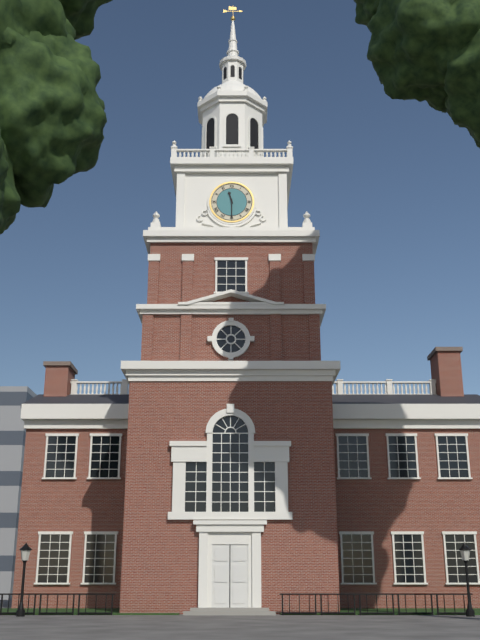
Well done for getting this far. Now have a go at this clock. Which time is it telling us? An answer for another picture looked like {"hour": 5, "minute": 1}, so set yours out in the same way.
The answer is {"hour": 11, "minute": 30}
